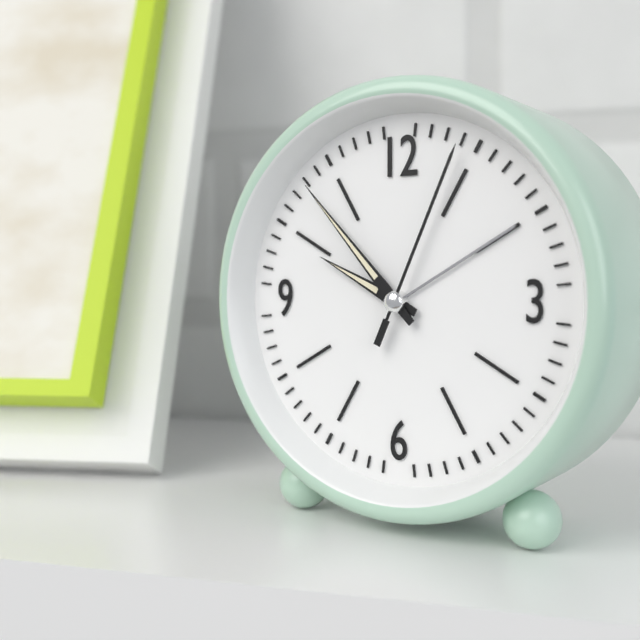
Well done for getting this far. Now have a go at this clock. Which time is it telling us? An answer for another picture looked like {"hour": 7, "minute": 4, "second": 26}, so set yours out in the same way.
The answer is {"hour": 9, "minute": 53, "second": 4}
